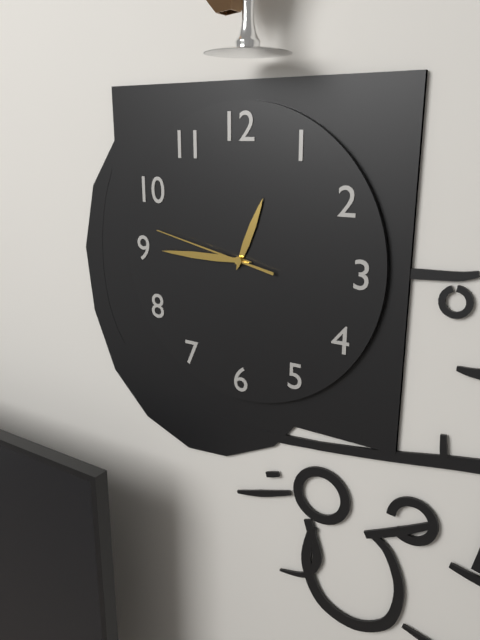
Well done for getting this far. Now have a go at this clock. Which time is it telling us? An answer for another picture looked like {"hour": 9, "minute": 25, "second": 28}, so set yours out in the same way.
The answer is {"hour": 12, "minute": 45, "second": 47}
